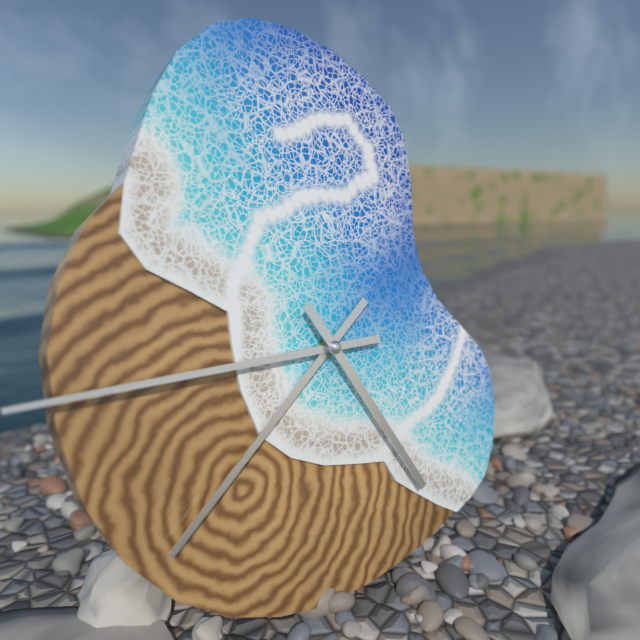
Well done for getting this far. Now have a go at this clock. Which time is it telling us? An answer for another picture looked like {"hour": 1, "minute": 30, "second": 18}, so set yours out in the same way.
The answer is {"hour": 7, "minute": 45, "second": 25}
